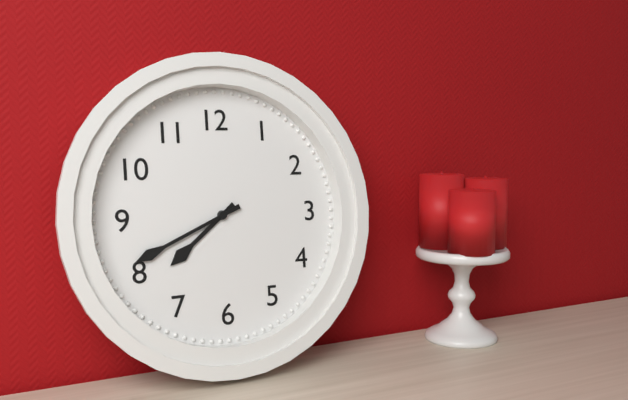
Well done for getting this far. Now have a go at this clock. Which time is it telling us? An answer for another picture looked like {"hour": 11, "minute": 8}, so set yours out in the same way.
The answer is {"hour": 7, "minute": 41}
